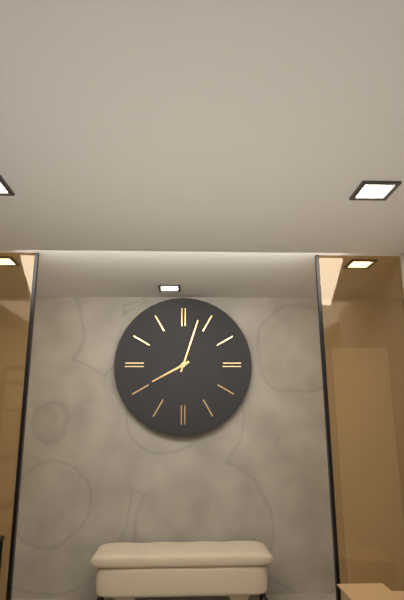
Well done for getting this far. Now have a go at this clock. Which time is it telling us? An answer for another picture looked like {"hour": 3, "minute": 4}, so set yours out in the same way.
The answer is {"hour": 8, "minute": 3}
